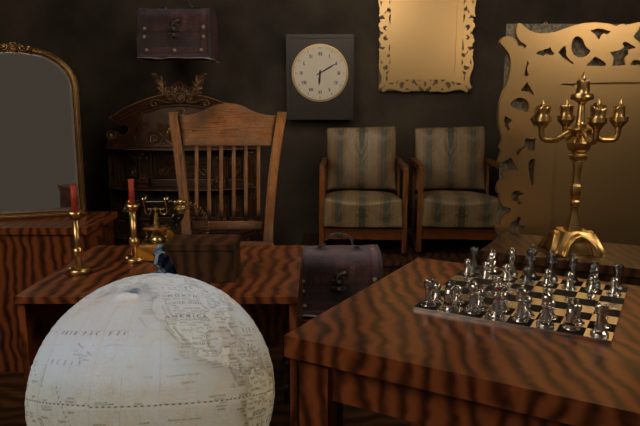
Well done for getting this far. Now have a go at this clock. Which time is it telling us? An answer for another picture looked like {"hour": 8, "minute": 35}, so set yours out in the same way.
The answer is {"hour": 6, "minute": 10}
